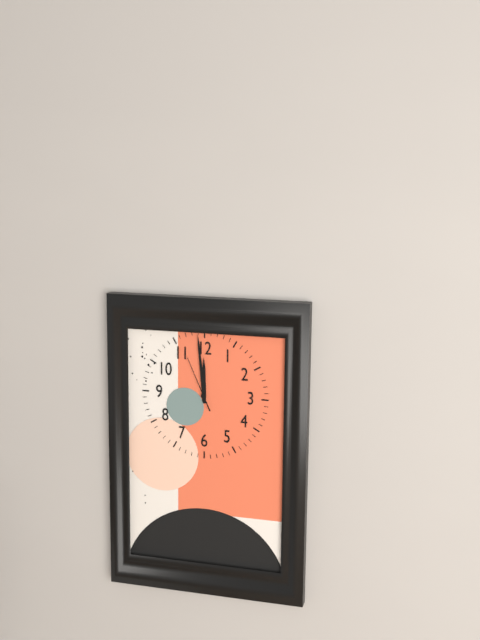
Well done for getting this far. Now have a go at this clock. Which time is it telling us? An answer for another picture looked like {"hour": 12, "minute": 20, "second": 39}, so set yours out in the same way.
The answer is {"hour": 11, "minute": 59, "second": 56}
